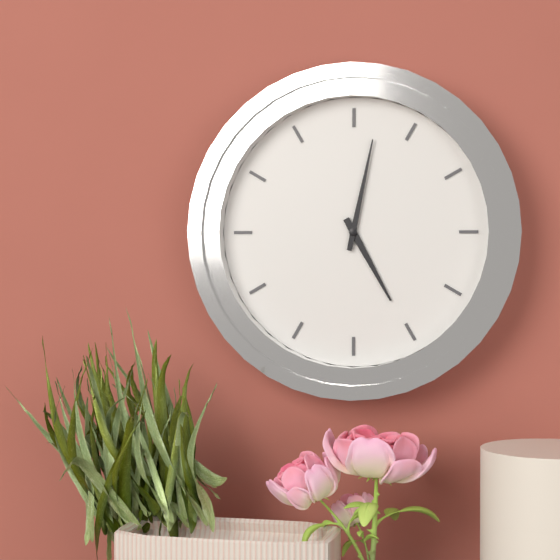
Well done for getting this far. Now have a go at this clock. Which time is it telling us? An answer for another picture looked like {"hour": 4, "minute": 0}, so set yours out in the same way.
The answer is {"hour": 5, "minute": 2}
